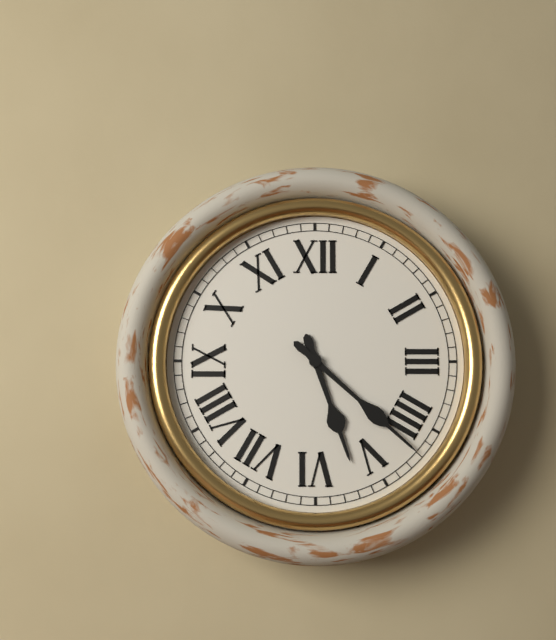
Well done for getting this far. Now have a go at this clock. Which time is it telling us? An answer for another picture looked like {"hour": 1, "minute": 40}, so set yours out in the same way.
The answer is {"hour": 5, "minute": 22}
